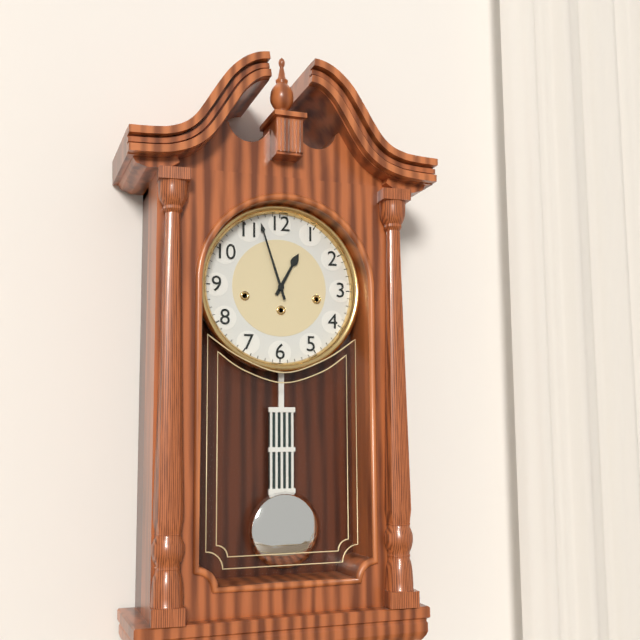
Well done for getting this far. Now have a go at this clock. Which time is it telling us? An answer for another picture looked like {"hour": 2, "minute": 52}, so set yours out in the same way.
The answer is {"hour": 12, "minute": 57}
